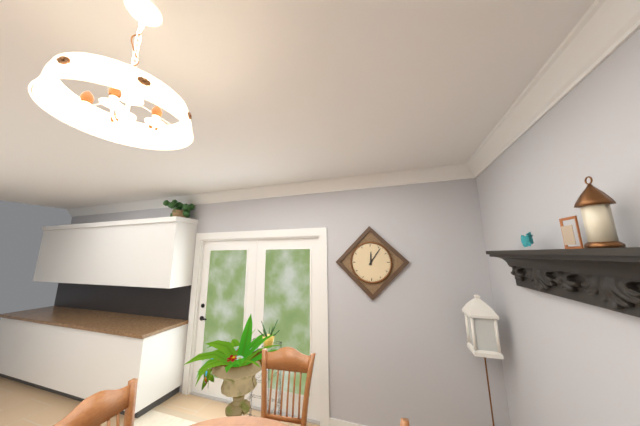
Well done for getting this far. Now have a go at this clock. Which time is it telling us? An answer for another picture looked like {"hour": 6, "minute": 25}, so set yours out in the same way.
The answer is {"hour": 12, "minute": 6}
